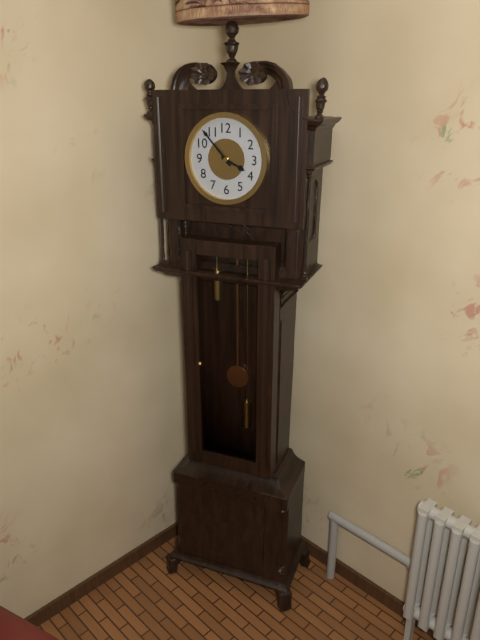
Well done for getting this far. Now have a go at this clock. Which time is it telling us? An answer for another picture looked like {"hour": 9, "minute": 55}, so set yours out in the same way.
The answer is {"hour": 3, "minute": 53}
